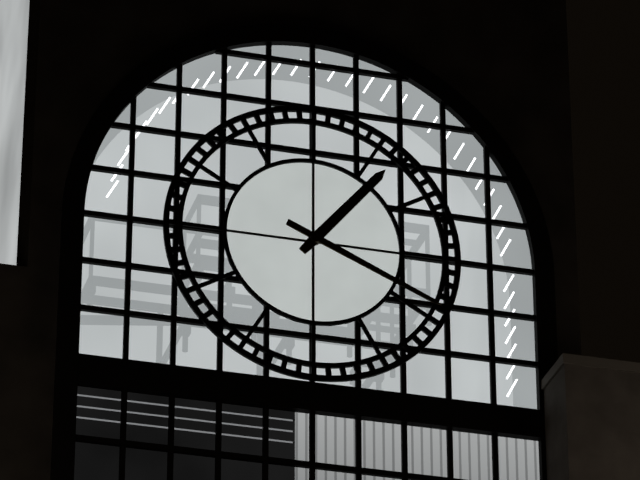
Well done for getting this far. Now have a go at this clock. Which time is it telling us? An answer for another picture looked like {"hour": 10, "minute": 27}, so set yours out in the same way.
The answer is {"hour": 1, "minute": 19}
